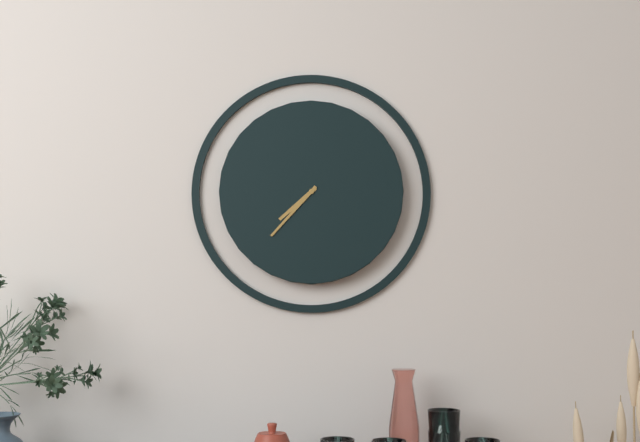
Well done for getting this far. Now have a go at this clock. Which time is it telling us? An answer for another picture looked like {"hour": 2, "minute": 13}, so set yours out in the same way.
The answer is {"hour": 7, "minute": 37}
